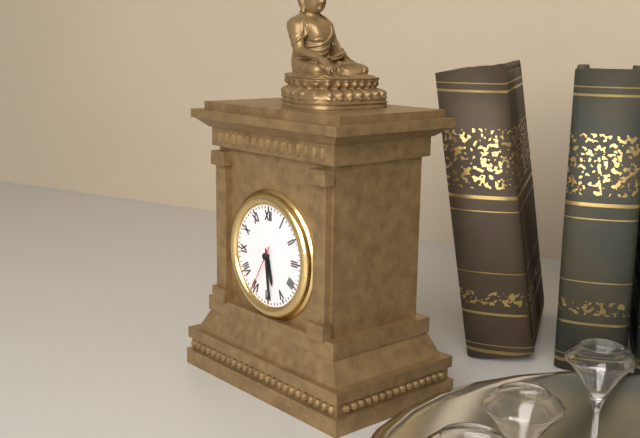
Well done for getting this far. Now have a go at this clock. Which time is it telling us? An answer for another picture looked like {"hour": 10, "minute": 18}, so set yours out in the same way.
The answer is {"hour": 5, "minute": 29}
